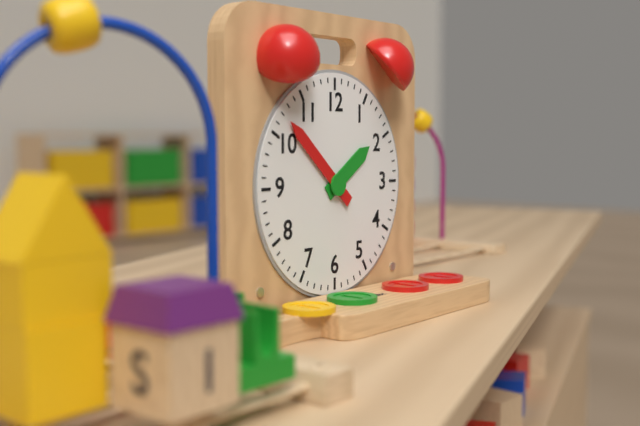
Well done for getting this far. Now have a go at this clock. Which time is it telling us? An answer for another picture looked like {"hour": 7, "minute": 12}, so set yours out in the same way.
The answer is {"hour": 1, "minute": 52}
